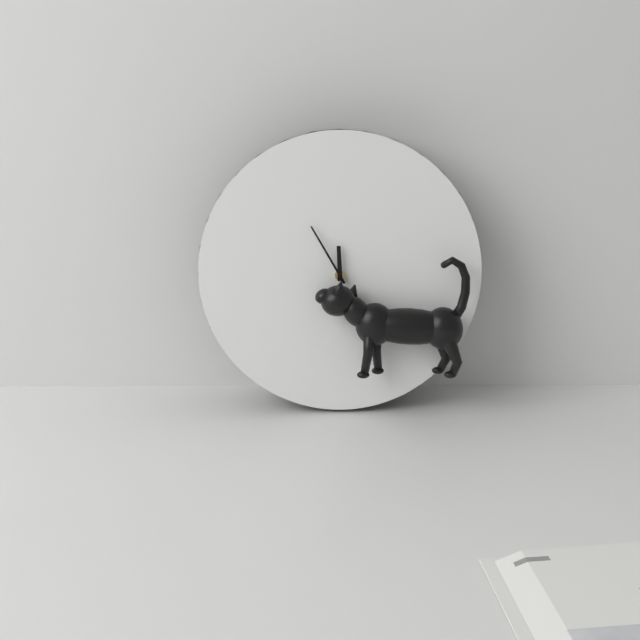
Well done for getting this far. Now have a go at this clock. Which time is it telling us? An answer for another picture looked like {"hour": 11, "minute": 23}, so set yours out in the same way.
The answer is {"hour": 11, "minute": 55}
